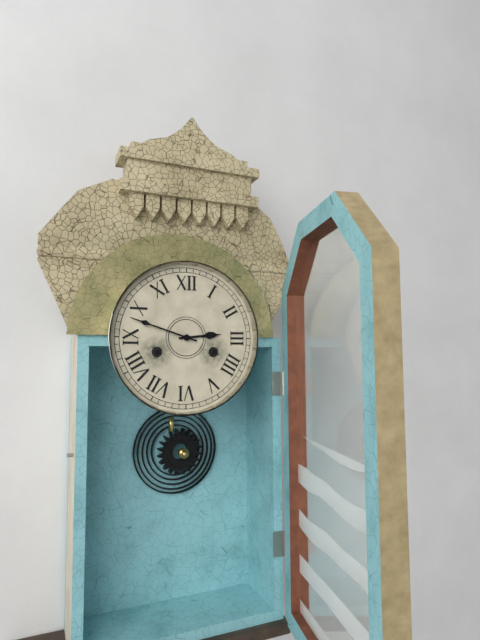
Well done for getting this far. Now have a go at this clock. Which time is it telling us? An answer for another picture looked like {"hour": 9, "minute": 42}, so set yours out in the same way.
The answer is {"hour": 2, "minute": 48}
